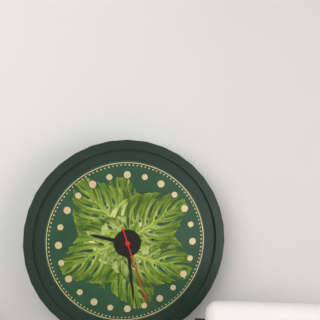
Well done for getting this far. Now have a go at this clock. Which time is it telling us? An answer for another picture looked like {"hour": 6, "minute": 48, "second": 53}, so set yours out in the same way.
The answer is {"hour": 9, "minute": 29, "second": 27}
